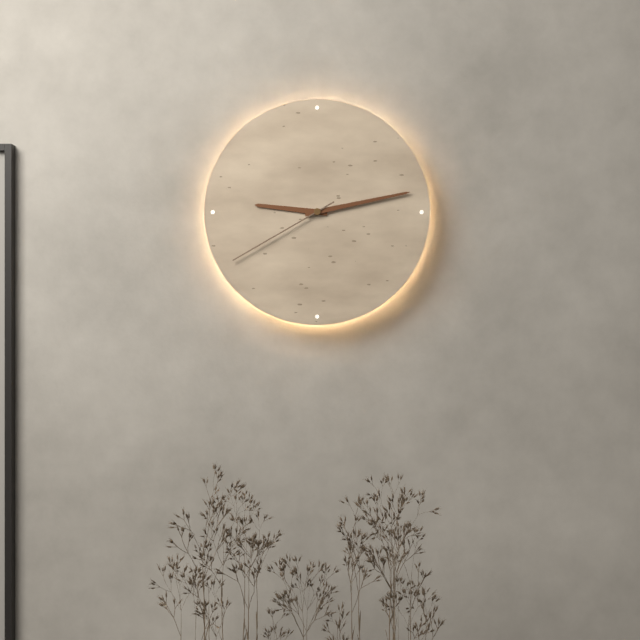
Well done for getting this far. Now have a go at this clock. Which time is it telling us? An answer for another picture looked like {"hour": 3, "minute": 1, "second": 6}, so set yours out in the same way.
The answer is {"hour": 9, "minute": 13, "second": 40}
